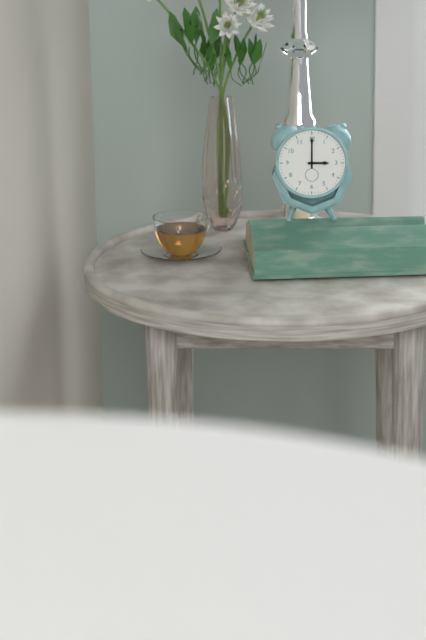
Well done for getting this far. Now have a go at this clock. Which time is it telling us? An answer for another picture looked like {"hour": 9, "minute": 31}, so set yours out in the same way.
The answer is {"hour": 3, "minute": 0}
